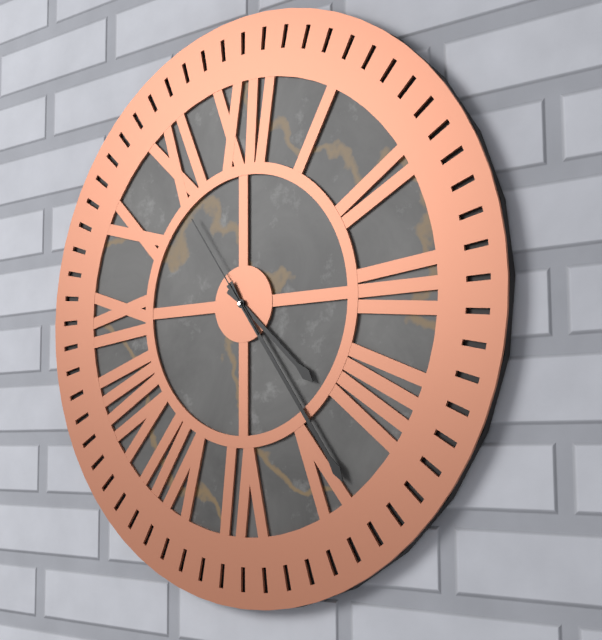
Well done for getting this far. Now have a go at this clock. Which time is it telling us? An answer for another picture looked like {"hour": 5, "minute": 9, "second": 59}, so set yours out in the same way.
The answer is {"hour": 4, "minute": 24, "second": 54}
